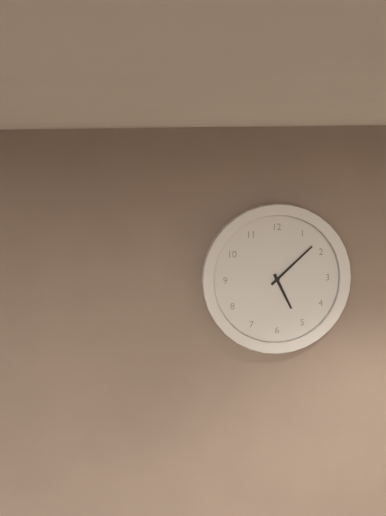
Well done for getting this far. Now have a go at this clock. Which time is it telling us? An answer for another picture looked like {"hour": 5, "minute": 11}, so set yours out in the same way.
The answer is {"hour": 5, "minute": 8}
